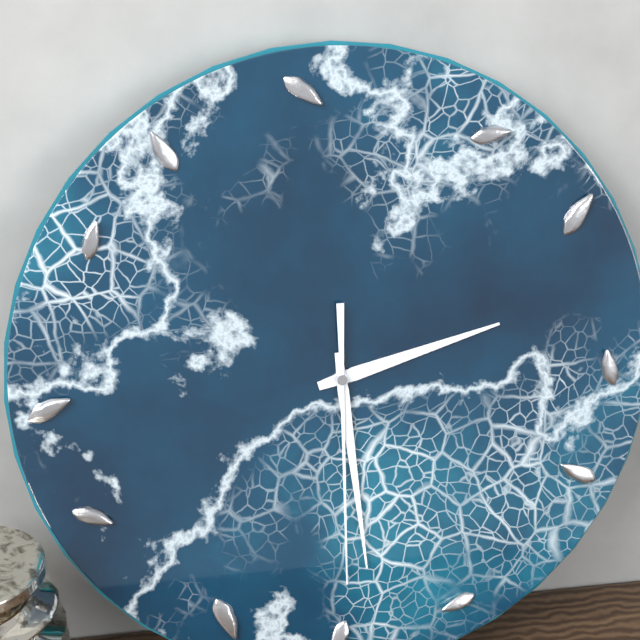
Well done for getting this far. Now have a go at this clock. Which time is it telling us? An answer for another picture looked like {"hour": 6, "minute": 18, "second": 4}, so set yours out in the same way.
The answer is {"hour": 2, "minute": 29, "second": 30}
